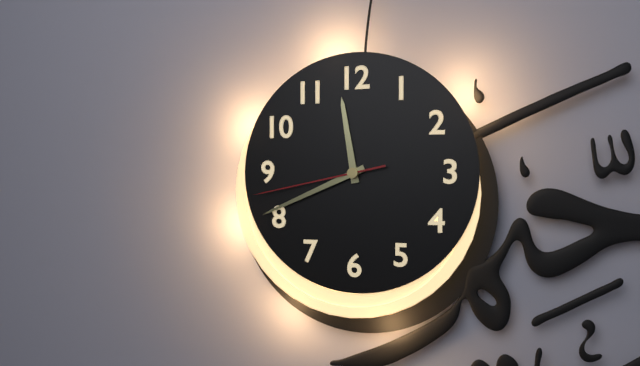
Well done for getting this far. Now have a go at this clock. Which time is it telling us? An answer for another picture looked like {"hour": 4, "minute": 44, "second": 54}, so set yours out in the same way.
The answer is {"hour": 11, "minute": 41, "second": 43}
